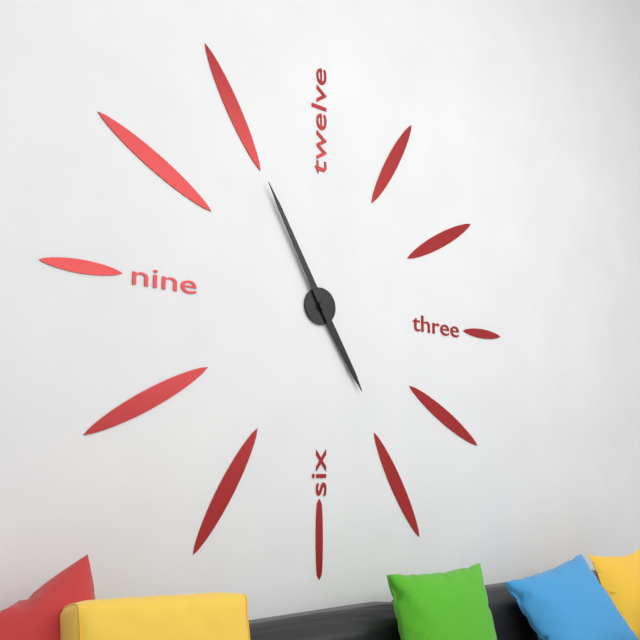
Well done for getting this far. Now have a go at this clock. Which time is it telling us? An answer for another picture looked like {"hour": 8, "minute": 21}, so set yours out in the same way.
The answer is {"hour": 4, "minute": 55}
